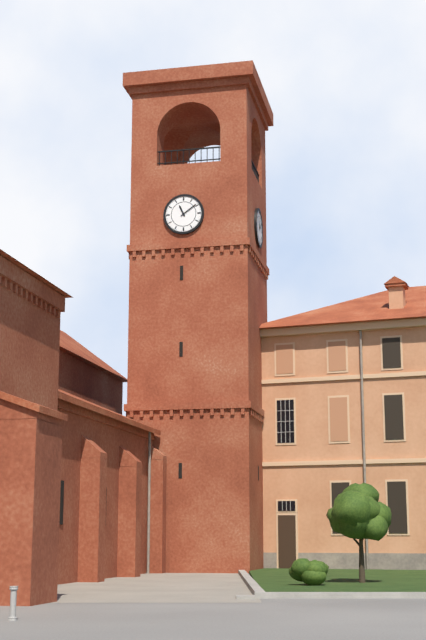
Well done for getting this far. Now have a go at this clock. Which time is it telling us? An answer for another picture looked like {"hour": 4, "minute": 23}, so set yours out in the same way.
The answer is {"hour": 11, "minute": 9}
